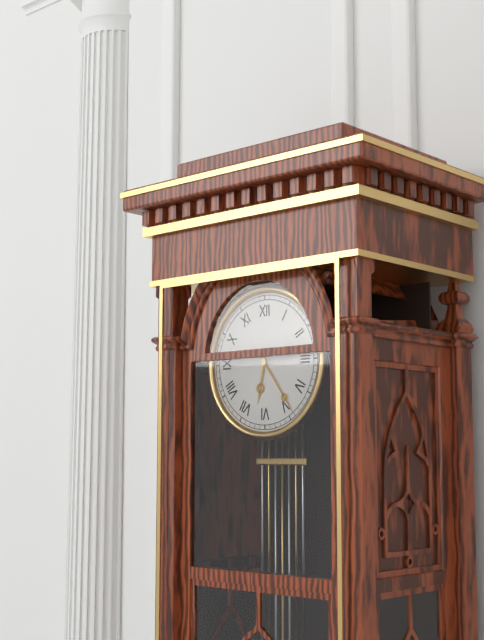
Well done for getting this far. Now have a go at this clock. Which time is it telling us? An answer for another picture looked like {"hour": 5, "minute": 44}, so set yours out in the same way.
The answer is {"hour": 6, "minute": 24}
